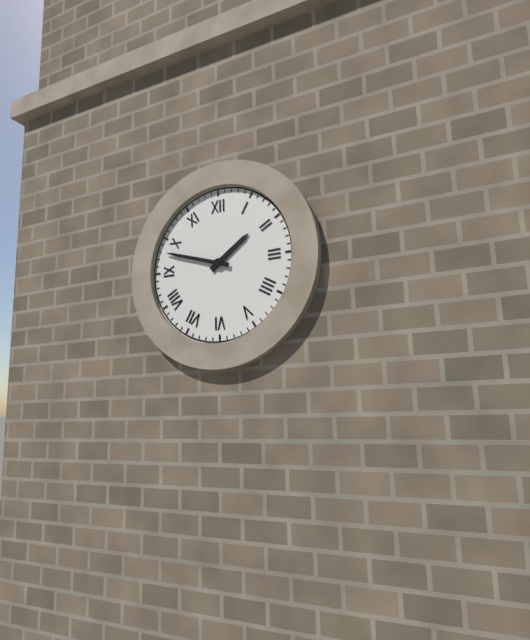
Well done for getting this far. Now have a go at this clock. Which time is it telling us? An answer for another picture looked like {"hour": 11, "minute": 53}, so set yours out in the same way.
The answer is {"hour": 1, "minute": 48}
